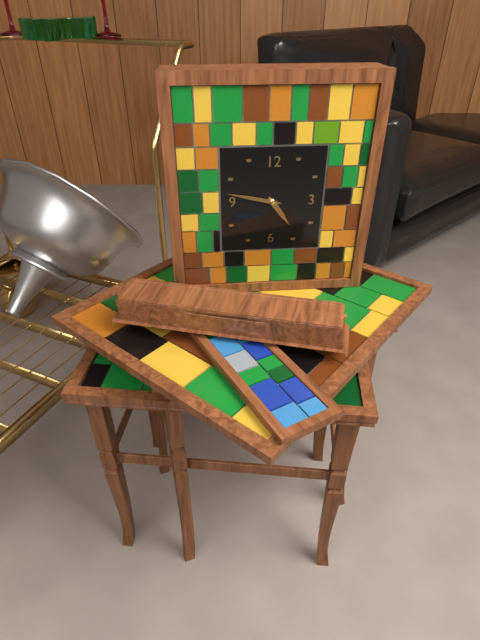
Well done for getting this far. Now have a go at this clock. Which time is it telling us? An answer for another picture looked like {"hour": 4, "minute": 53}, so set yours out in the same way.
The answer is {"hour": 4, "minute": 47}
